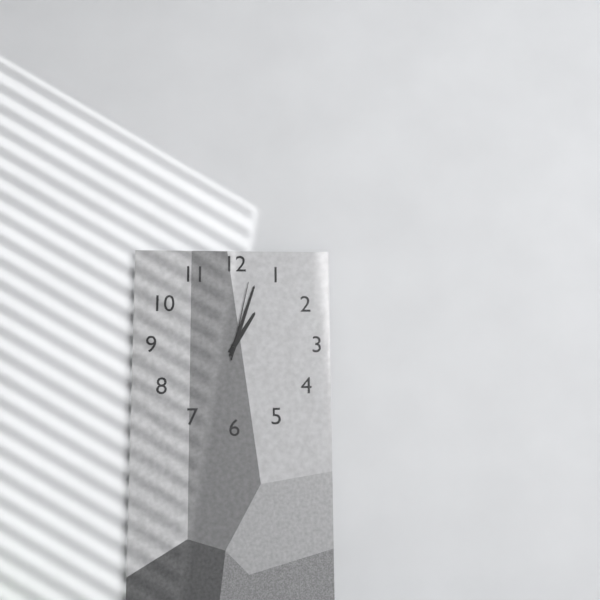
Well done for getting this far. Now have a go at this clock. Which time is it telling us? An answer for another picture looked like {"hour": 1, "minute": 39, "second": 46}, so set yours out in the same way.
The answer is {"hour": 1, "minute": 3, "second": 2}
